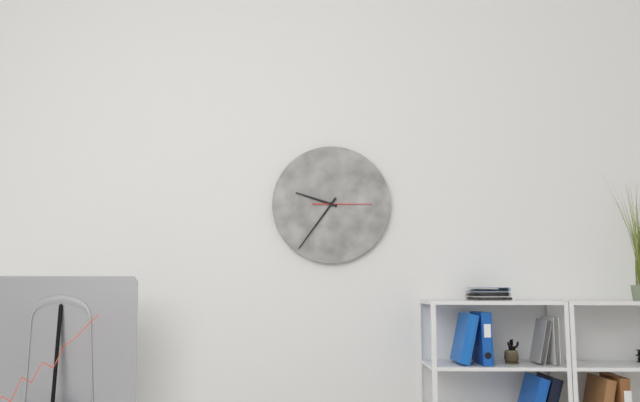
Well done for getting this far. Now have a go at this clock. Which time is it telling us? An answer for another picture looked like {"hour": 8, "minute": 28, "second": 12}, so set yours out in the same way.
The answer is {"hour": 9, "minute": 36, "second": 15}
